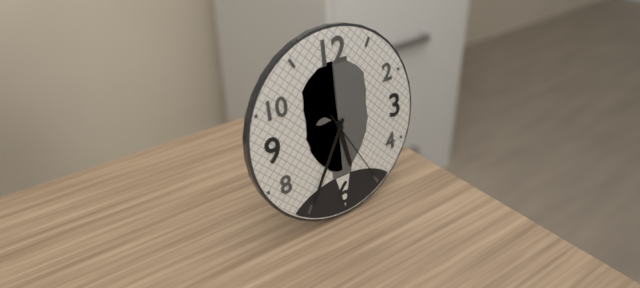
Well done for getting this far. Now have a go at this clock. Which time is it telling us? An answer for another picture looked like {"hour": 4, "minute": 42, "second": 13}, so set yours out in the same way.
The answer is {"hour": 5, "minute": 35, "second": 25}
